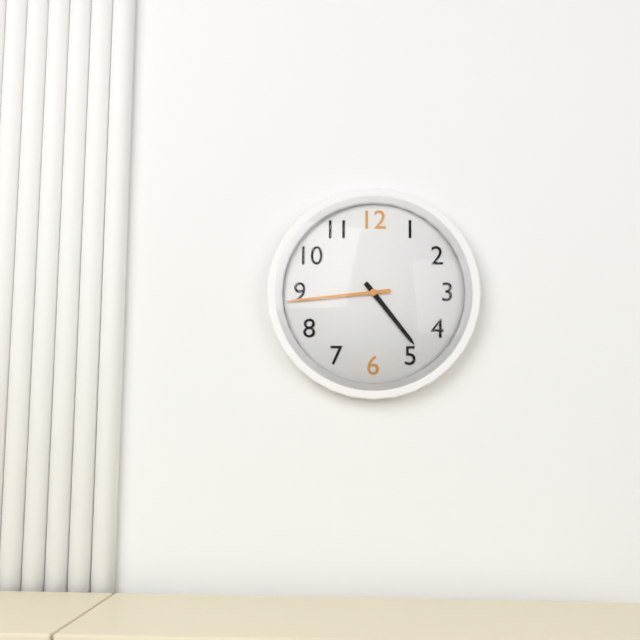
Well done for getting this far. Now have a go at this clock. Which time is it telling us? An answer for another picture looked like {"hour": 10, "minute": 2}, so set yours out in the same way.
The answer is {"hour": 4, "minute": 44}
